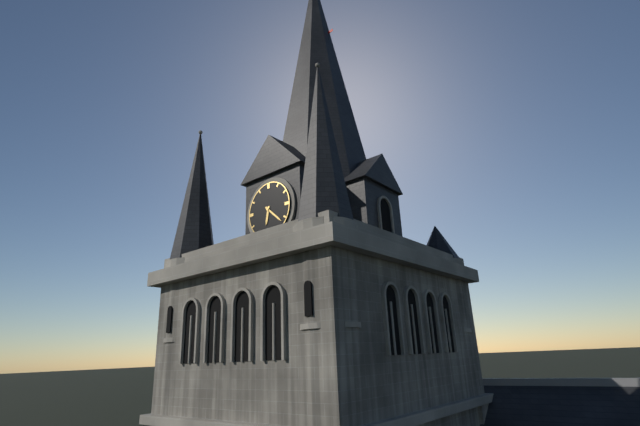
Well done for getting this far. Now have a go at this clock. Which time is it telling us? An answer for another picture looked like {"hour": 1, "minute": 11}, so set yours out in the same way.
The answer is {"hour": 6, "minute": 22}
